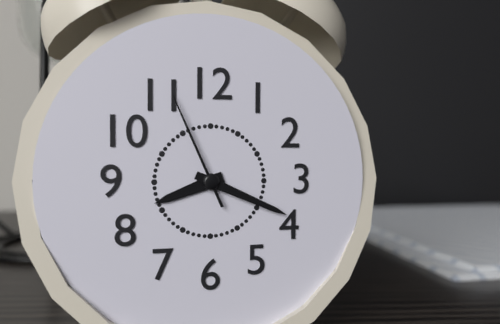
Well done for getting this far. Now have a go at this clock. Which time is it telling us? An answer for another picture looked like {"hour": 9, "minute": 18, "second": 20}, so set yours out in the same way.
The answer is {"hour": 8, "minute": 19, "second": 56}
